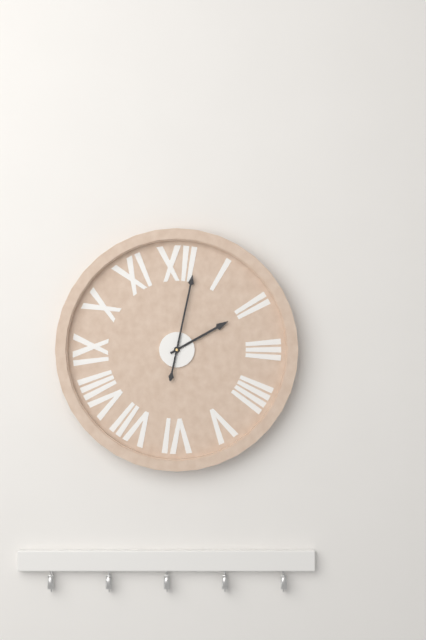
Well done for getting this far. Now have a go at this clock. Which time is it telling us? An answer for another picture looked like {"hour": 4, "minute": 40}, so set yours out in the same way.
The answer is {"hour": 2, "minute": 2}
